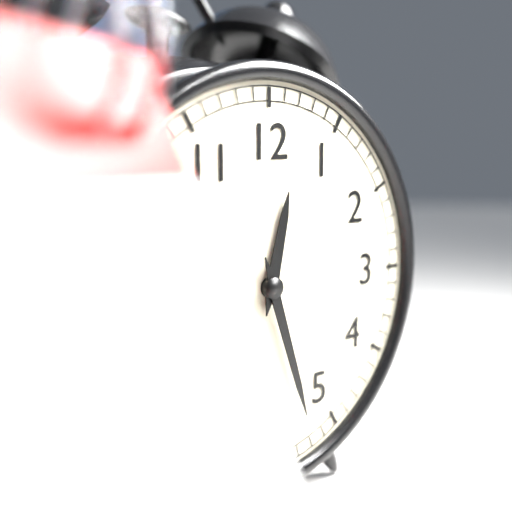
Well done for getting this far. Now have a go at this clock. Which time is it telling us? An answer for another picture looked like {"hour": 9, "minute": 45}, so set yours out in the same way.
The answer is {"hour": 12, "minute": 27}
